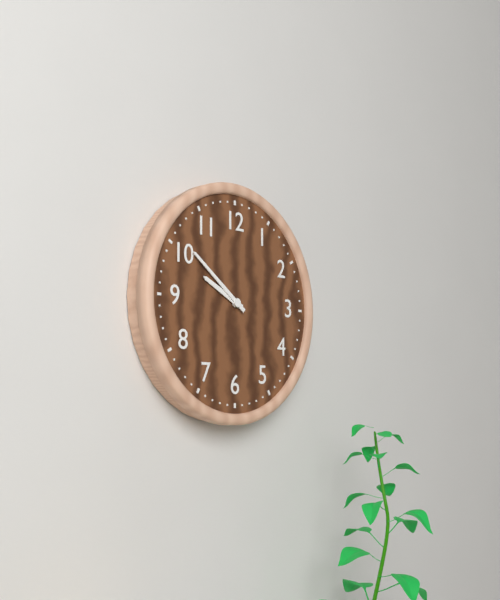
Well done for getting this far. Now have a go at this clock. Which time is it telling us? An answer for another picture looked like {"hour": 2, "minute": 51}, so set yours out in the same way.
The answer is {"hour": 9, "minute": 51}
